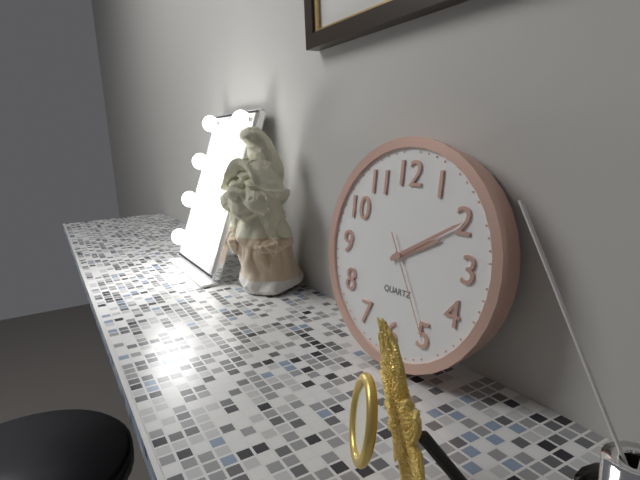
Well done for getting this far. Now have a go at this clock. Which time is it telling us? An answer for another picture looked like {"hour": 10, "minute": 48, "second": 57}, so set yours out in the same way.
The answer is {"hour": 2, "minute": 10, "second": 25}
